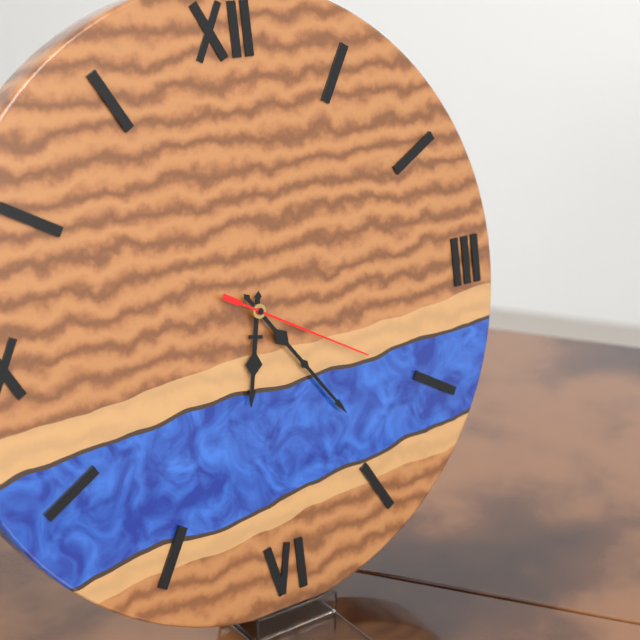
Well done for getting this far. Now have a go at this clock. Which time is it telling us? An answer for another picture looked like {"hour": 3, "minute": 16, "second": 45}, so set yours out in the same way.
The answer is {"hour": 6, "minute": 24, "second": 20}
